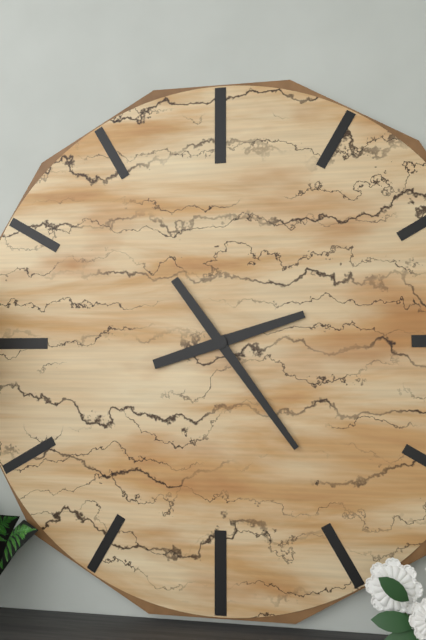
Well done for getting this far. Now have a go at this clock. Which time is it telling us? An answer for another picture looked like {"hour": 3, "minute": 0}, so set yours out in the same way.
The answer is {"hour": 2, "minute": 24}
